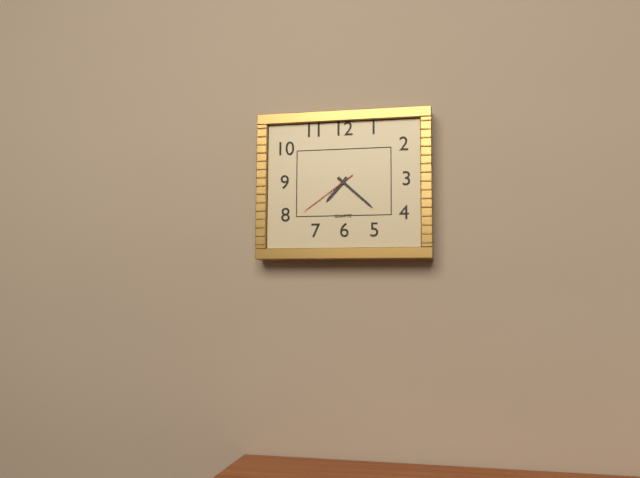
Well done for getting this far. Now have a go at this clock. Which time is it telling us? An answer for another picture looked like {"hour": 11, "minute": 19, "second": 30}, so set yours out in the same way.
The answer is {"hour": 7, "minute": 22, "second": 39}
